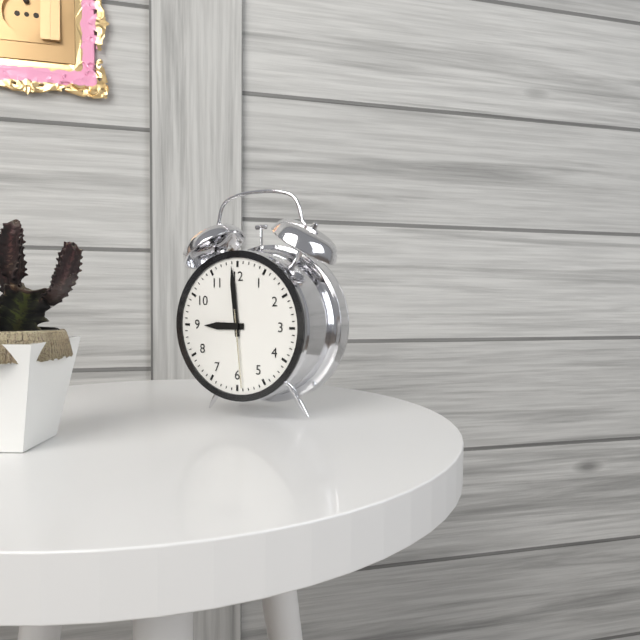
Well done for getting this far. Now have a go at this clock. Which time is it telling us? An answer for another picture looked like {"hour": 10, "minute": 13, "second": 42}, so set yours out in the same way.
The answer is {"hour": 8, "minute": 59, "second": 29}
